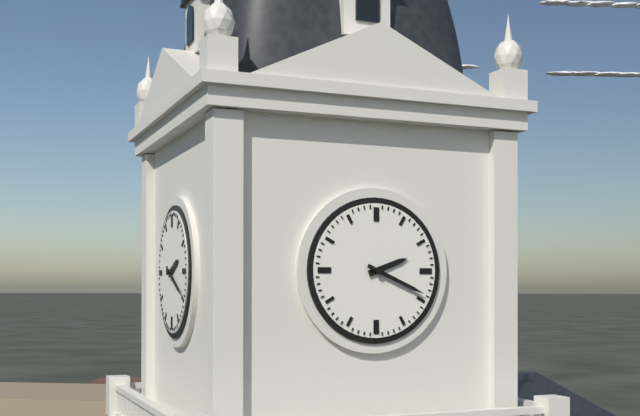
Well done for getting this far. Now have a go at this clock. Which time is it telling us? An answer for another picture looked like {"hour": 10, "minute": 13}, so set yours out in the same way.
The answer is {"hour": 2, "minute": 19}
